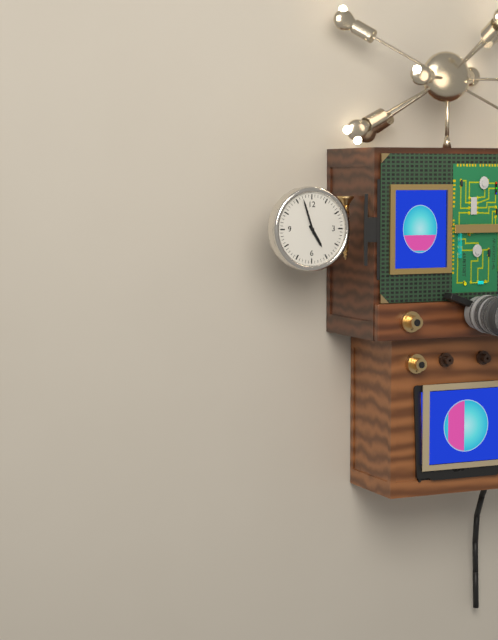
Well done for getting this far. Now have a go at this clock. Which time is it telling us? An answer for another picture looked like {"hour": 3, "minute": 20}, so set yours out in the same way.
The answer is {"hour": 4, "minute": 57}
